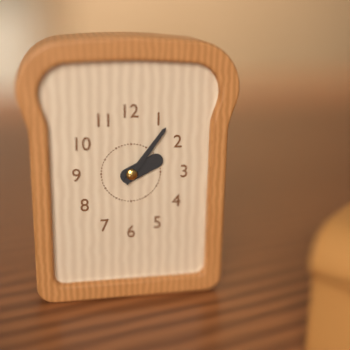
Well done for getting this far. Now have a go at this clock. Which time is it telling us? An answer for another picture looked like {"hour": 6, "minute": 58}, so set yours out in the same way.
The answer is {"hour": 2, "minute": 6}
